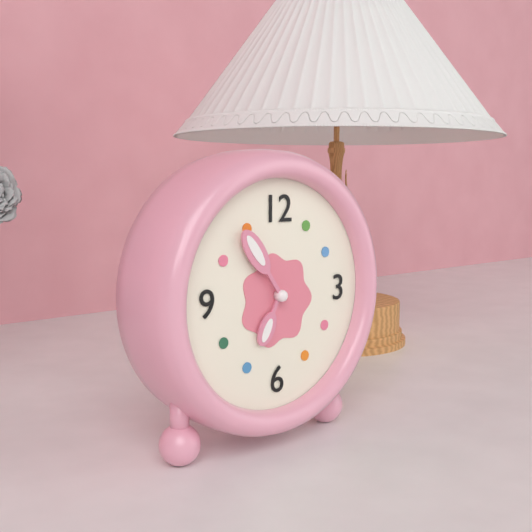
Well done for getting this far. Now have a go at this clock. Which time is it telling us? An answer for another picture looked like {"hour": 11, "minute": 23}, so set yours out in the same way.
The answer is {"hour": 6, "minute": 54}
